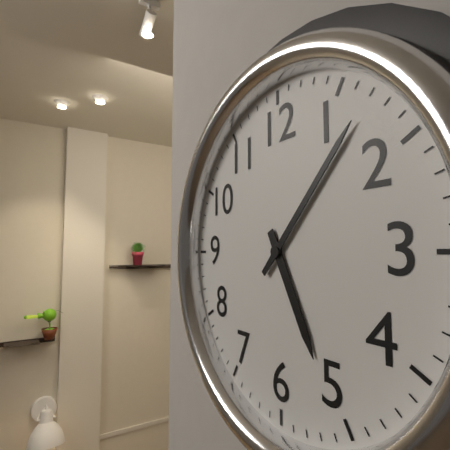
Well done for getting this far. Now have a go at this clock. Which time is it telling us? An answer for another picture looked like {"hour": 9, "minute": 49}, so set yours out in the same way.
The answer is {"hour": 5, "minute": 7}
